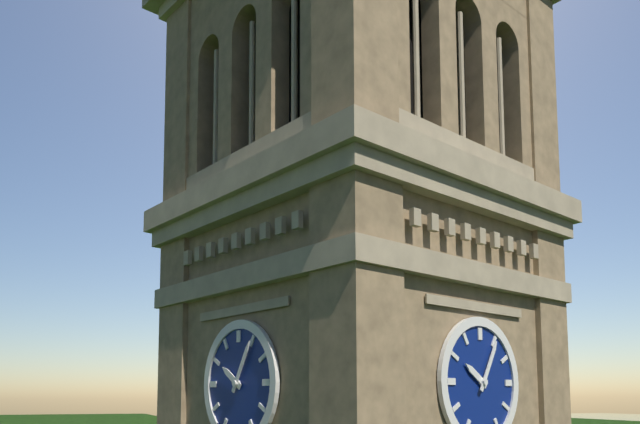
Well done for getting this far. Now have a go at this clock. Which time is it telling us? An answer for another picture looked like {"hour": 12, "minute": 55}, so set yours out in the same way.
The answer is {"hour": 10, "minute": 5}
